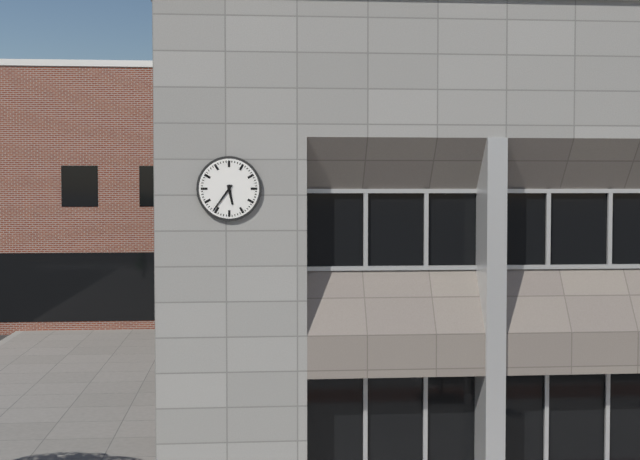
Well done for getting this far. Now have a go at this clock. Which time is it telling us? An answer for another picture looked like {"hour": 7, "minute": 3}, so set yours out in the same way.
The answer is {"hour": 5, "minute": 36}
